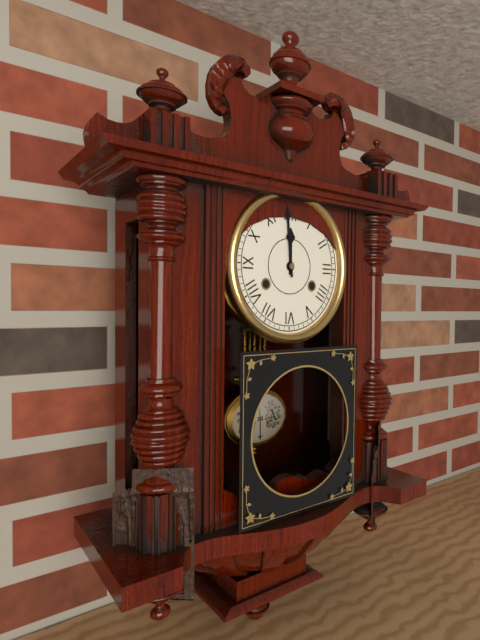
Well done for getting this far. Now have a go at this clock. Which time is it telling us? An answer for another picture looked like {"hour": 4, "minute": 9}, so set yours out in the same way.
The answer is {"hour": 11, "minute": 59}
